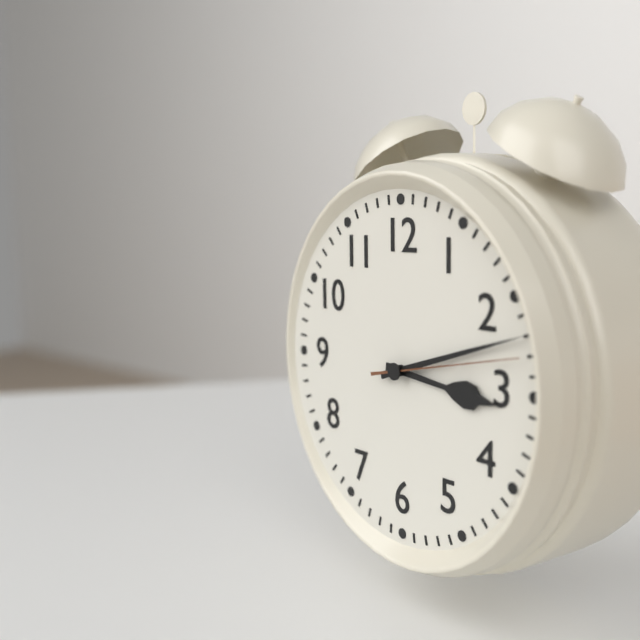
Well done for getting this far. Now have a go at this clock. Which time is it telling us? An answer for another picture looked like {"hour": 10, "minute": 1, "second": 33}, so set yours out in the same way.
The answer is {"hour": 3, "minute": 12, "second": 13}
